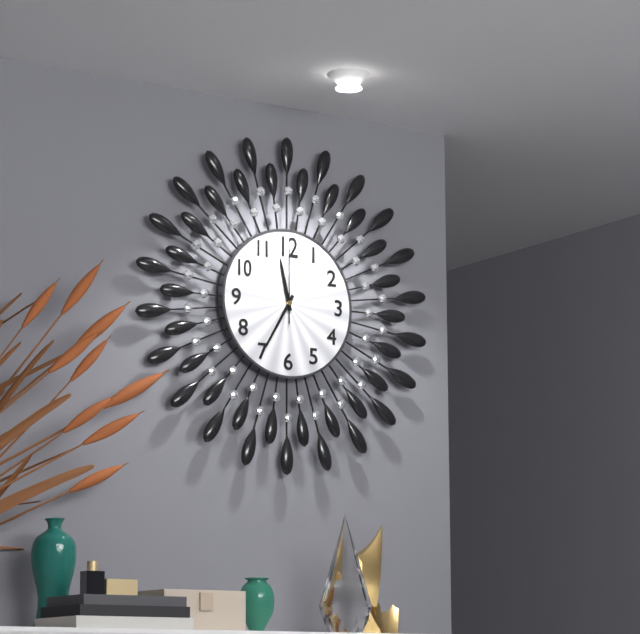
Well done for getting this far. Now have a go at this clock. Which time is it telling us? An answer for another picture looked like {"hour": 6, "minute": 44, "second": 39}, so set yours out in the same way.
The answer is {"hour": 11, "minute": 35, "second": 0}
